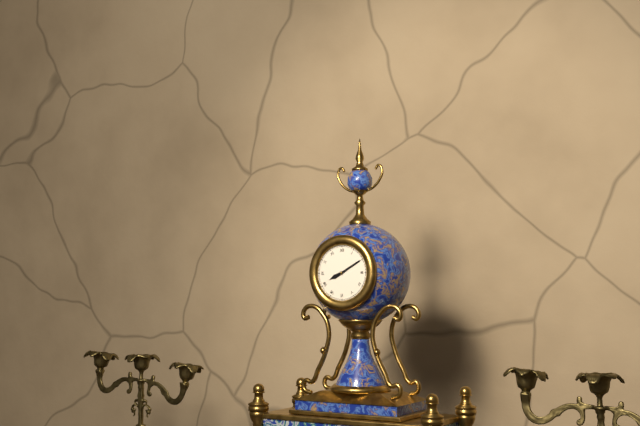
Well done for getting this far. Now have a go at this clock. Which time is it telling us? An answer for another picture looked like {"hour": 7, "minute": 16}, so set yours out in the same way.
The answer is {"hour": 8, "minute": 10}
